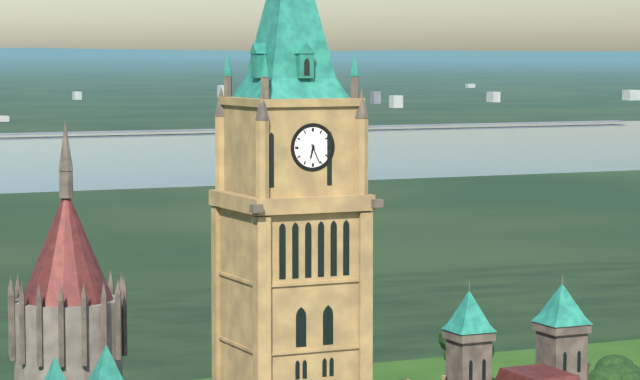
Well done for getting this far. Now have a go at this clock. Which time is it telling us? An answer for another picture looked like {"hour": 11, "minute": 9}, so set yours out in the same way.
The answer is {"hour": 6, "minute": 26}
